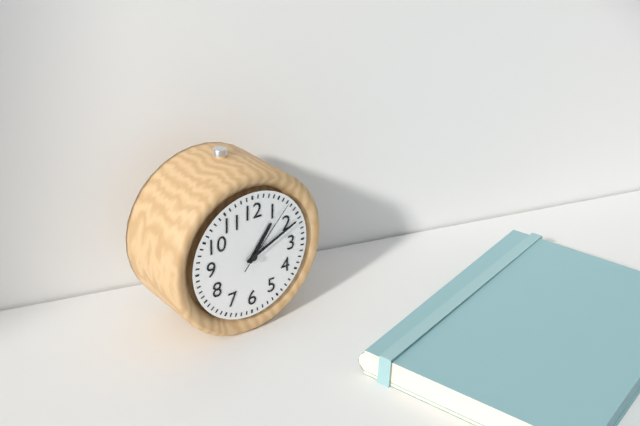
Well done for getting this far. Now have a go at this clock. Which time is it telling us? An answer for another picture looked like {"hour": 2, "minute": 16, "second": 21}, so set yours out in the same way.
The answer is {"hour": 1, "minute": 11, "second": 7}
